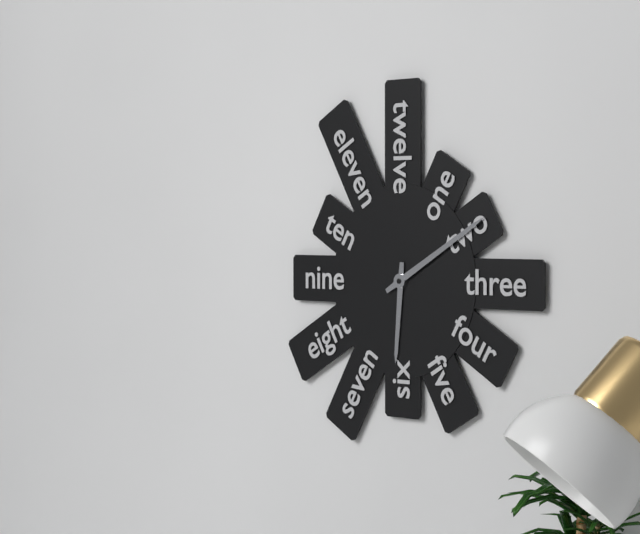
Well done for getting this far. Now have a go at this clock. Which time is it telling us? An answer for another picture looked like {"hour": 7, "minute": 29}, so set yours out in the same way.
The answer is {"hour": 6, "minute": 10}
